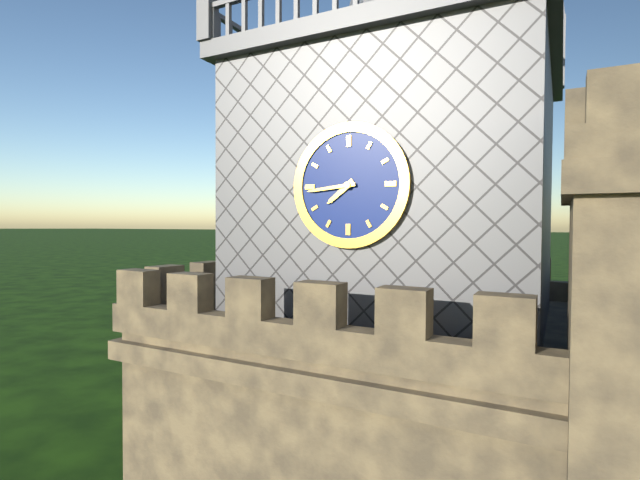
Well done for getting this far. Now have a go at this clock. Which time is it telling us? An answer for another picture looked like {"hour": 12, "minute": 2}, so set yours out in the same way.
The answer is {"hour": 7, "minute": 44}
